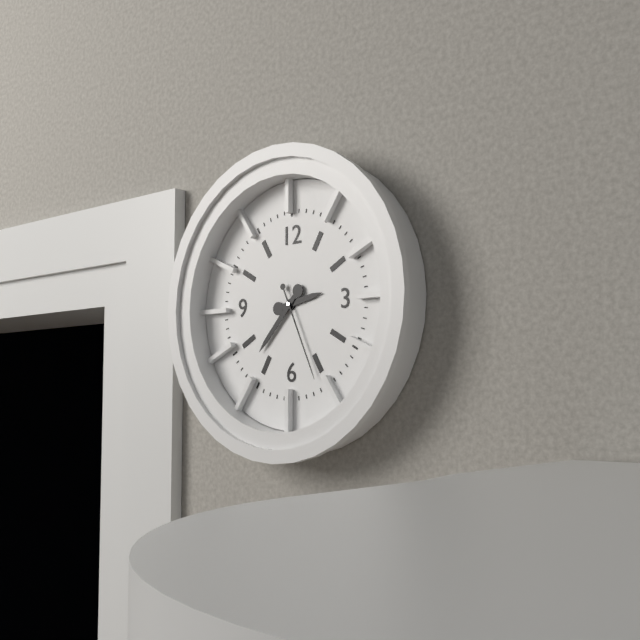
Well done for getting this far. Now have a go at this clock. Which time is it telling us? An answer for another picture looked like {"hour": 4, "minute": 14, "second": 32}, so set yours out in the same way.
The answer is {"hour": 2, "minute": 37, "second": 26}
